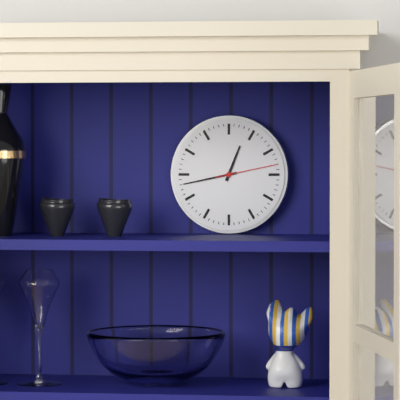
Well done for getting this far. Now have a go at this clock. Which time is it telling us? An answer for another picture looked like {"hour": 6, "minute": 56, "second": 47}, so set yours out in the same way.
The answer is {"hour": 12, "minute": 43, "second": 13}
